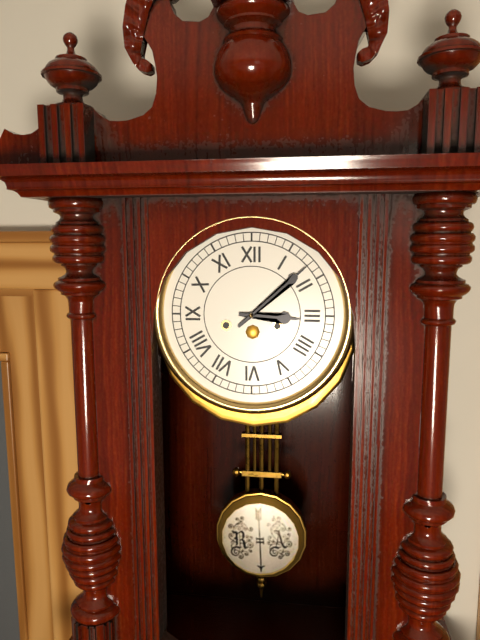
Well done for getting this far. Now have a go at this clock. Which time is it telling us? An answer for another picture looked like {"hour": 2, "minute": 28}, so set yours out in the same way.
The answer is {"hour": 3, "minute": 8}
